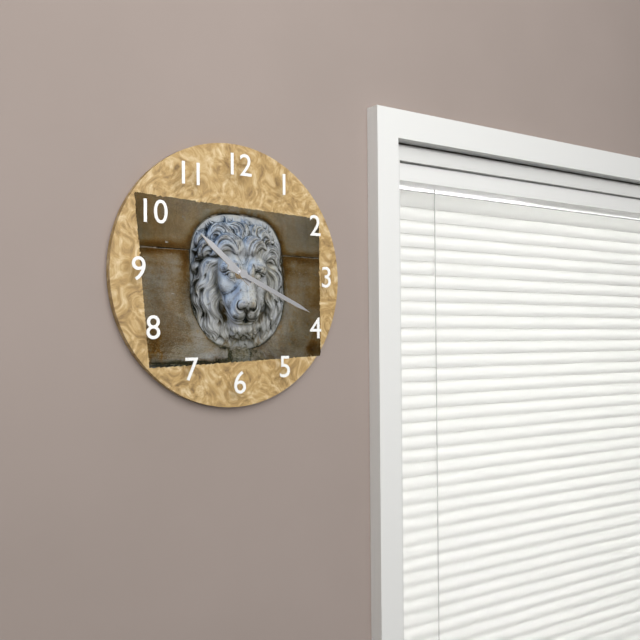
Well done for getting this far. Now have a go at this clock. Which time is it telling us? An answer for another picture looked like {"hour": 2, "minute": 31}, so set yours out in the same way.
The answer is {"hour": 10, "minute": 19}
